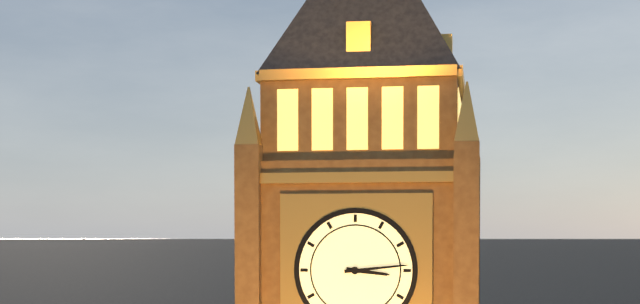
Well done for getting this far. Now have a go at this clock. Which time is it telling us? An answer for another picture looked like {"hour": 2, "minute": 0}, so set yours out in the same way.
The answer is {"hour": 3, "minute": 14}
